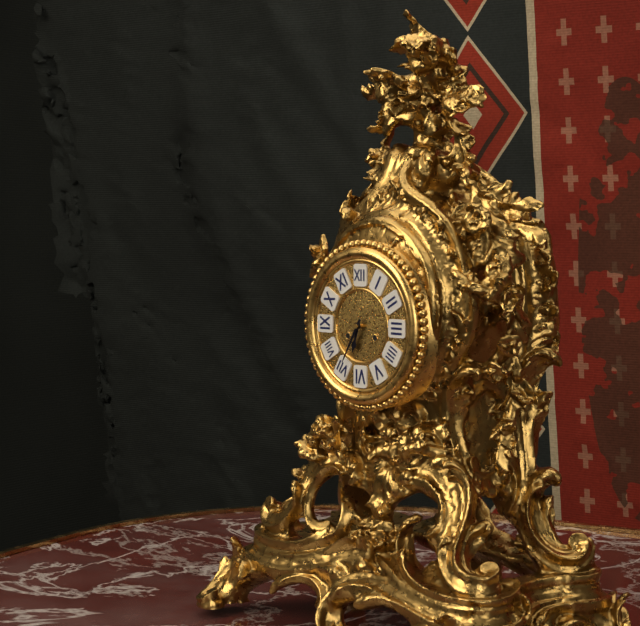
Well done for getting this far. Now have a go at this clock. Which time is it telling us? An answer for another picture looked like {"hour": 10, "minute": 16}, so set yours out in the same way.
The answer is {"hour": 6, "minute": 35}
